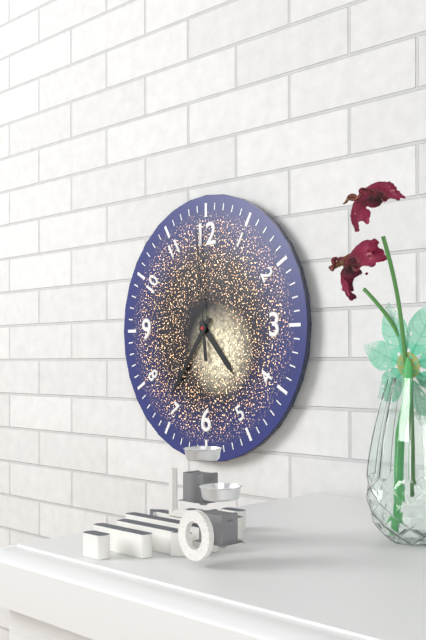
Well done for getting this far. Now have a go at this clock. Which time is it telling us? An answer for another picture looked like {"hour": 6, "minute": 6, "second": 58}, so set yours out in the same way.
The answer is {"hour": 4, "minute": 36, "second": 59}
